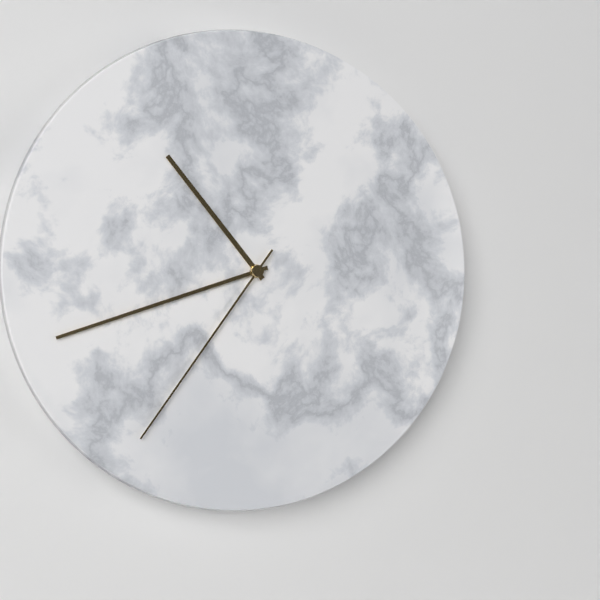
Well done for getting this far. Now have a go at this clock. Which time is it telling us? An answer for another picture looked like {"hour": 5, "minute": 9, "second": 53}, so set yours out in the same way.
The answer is {"hour": 10, "minute": 42, "second": 36}
